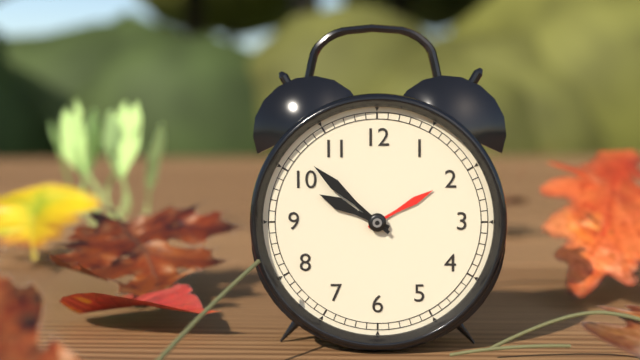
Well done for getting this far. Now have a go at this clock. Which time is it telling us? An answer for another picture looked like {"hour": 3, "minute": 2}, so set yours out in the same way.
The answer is {"hour": 9, "minute": 52}
